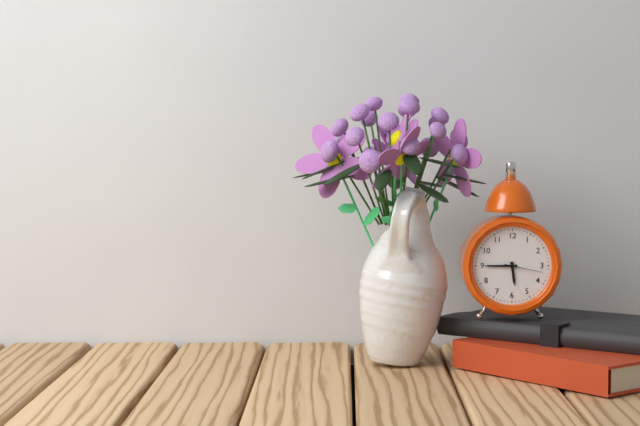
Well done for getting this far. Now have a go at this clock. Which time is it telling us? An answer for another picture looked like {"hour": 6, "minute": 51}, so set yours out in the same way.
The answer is {"hour": 5, "minute": 45}
